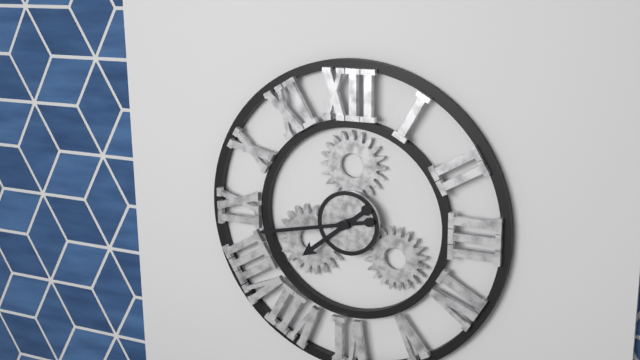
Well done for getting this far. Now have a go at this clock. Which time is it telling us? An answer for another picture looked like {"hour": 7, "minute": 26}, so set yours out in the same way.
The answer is {"hour": 7, "minute": 43}
